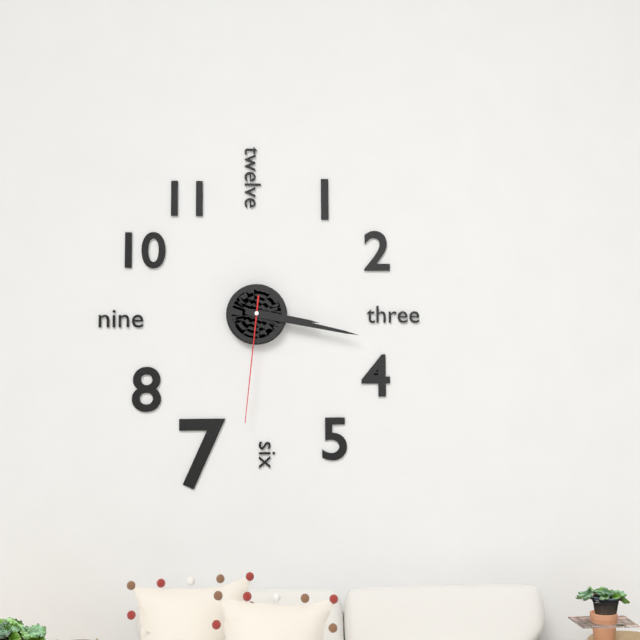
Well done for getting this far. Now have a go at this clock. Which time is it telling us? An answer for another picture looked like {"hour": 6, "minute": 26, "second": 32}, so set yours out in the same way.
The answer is {"hour": 3, "minute": 17, "second": 31}
